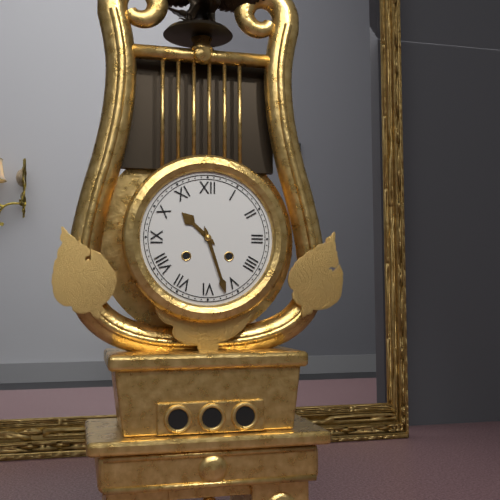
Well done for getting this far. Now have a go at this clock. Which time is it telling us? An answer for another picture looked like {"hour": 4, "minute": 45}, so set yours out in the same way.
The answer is {"hour": 10, "minute": 27}
